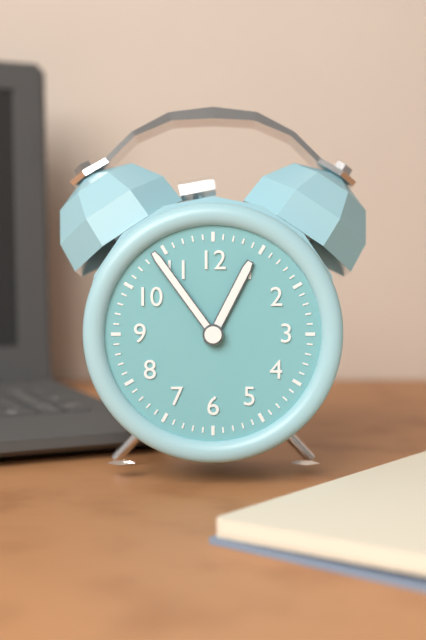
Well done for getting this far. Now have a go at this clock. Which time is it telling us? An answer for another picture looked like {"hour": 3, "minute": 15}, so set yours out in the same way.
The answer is {"hour": 12, "minute": 54}
